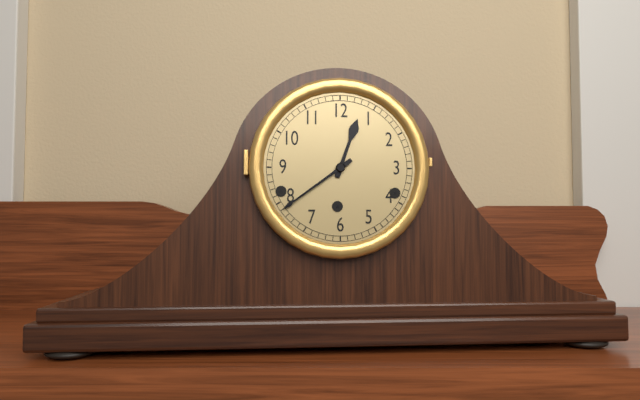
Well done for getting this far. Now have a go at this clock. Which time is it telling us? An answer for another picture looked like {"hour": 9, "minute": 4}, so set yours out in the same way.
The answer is {"hour": 12, "minute": 39}
